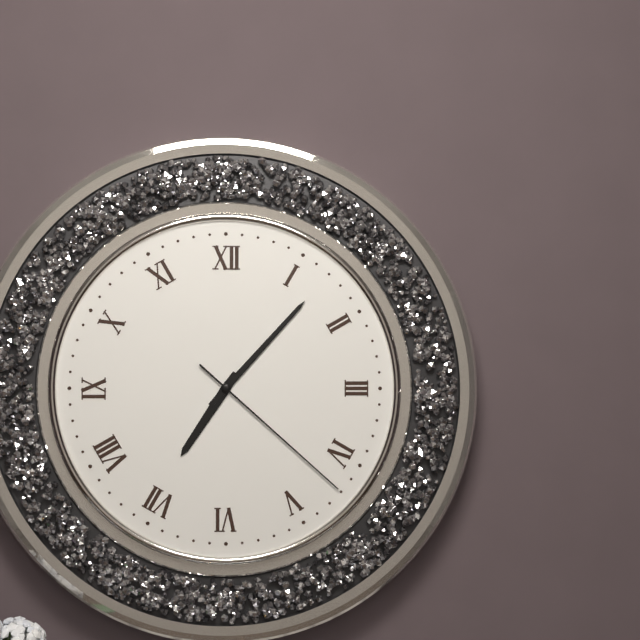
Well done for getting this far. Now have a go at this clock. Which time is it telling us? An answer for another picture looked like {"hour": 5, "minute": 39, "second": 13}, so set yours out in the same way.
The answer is {"hour": 7, "minute": 7, "second": 22}
